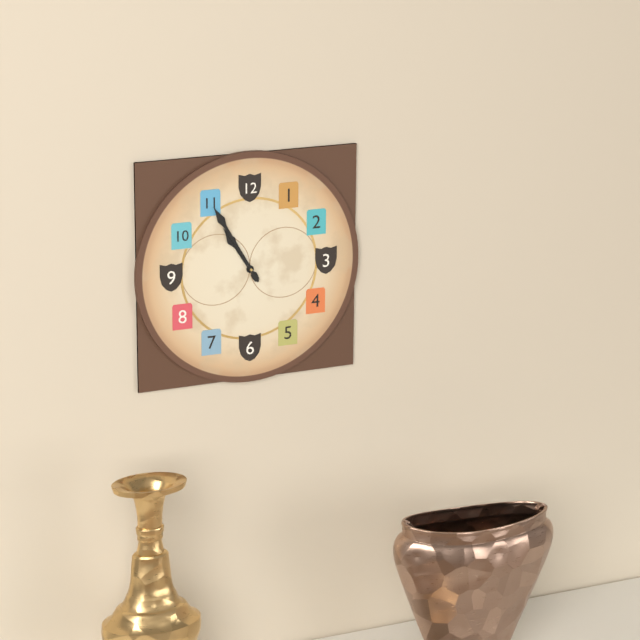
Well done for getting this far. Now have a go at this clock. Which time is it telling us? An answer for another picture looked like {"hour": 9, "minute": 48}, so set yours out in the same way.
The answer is {"hour": 10, "minute": 55}
